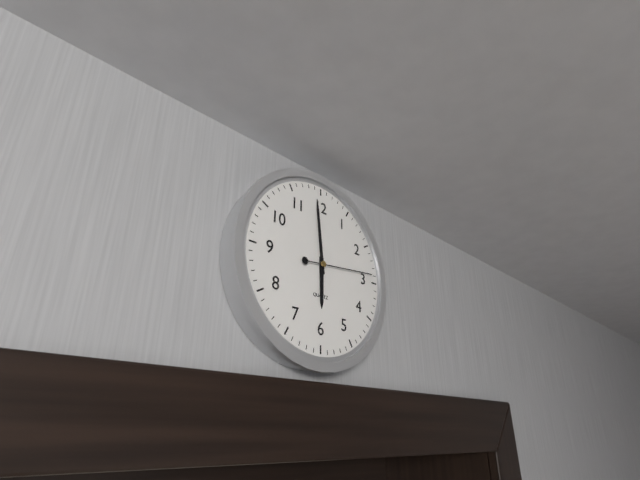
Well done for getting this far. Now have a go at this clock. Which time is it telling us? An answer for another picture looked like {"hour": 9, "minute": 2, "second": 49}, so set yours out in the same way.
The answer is {"hour": 5, "minute": 59, "second": 14}
